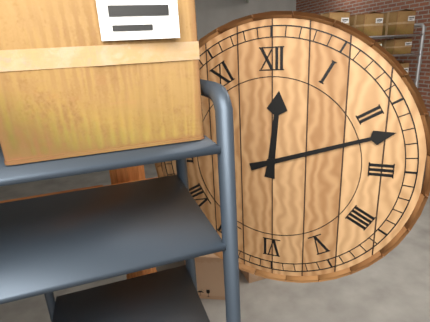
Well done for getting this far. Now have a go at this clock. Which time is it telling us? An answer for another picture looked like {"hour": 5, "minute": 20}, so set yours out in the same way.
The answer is {"hour": 12, "minute": 12}
